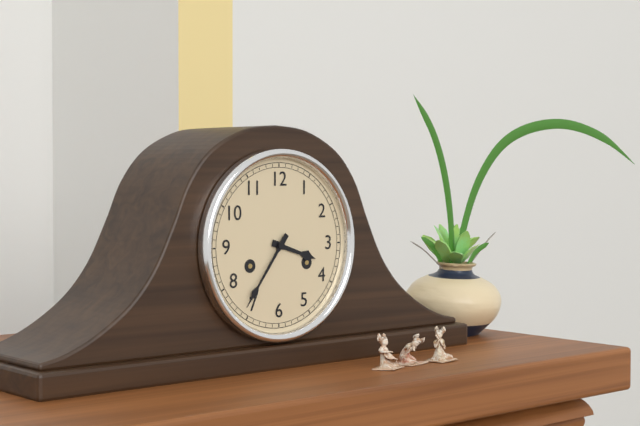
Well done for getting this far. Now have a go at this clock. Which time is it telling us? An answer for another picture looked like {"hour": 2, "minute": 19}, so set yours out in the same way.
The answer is {"hour": 3, "minute": 36}
